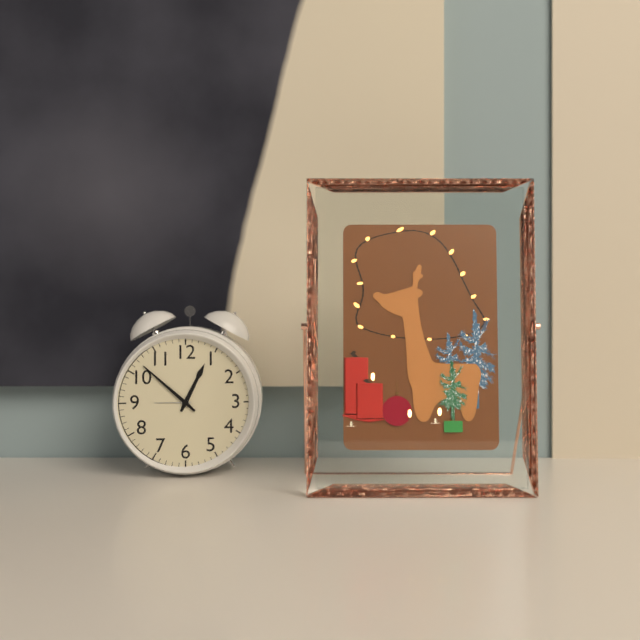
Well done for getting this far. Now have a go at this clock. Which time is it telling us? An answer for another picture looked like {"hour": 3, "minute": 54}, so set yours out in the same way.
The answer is {"hour": 12, "minute": 52}
